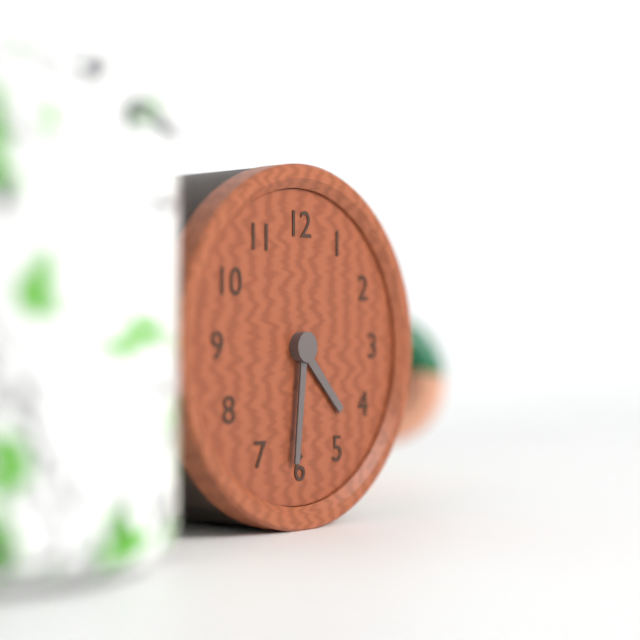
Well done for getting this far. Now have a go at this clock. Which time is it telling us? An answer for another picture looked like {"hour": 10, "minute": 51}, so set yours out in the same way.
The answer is {"hour": 4, "minute": 31}
